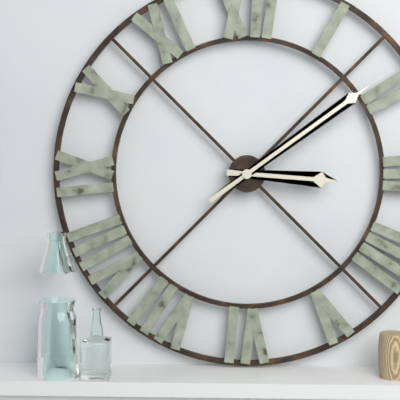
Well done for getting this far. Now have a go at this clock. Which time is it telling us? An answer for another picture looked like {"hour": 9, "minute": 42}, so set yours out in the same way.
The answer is {"hour": 3, "minute": 9}
